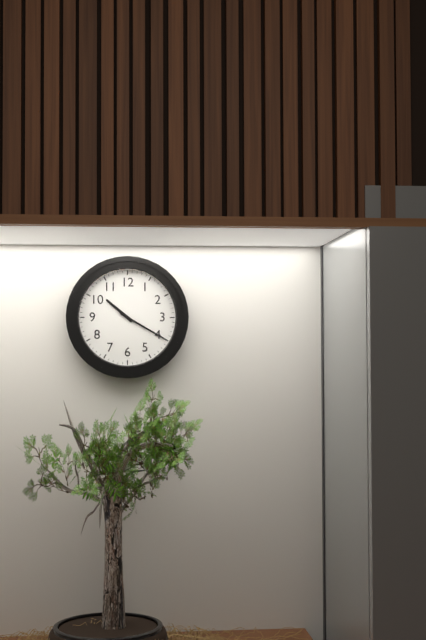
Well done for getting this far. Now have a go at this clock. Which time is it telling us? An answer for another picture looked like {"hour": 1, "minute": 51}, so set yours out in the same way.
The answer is {"hour": 10, "minute": 20}
